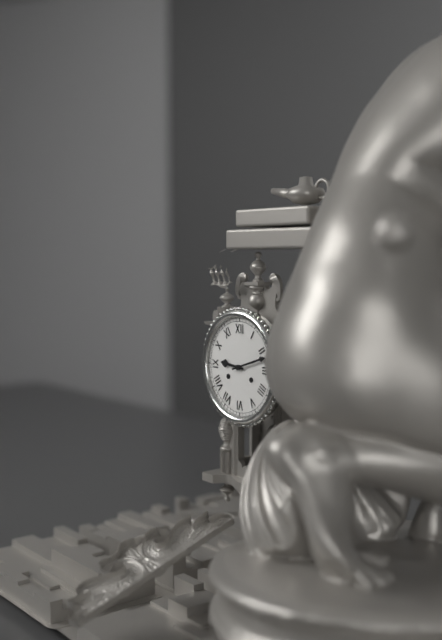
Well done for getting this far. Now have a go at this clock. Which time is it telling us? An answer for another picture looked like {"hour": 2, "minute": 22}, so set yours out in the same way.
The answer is {"hour": 9, "minute": 12}
